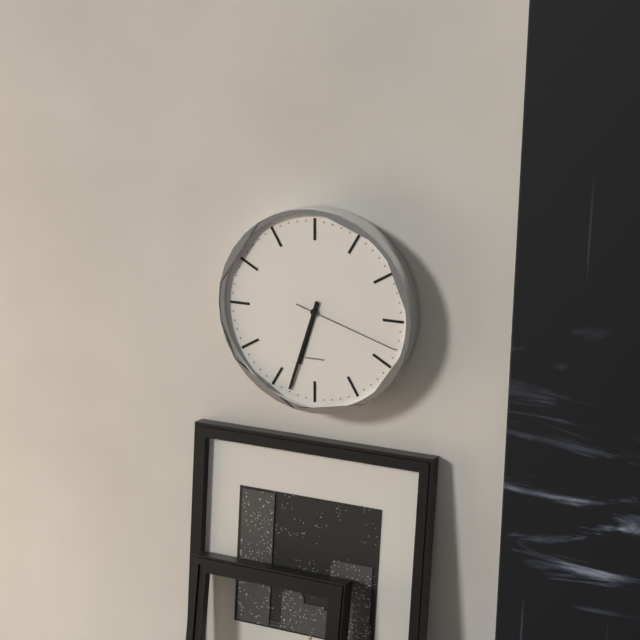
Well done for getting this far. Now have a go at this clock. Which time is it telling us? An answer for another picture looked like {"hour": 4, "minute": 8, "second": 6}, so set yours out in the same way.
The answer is {"hour": 6, "minute": 33, "second": 18}
